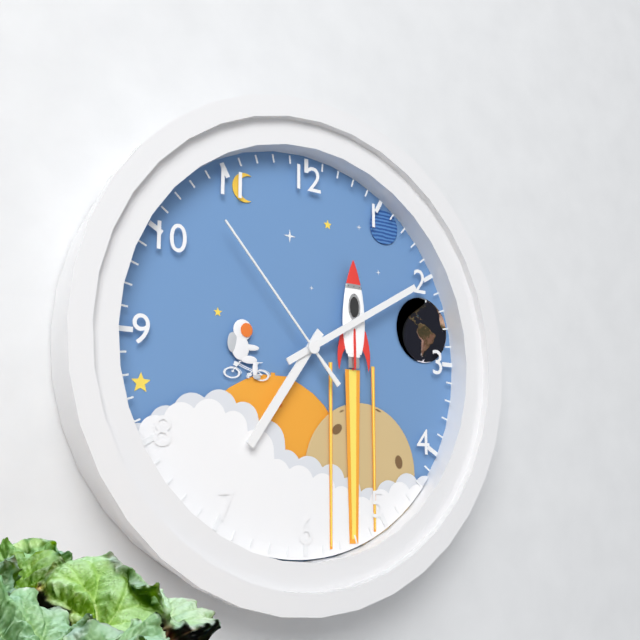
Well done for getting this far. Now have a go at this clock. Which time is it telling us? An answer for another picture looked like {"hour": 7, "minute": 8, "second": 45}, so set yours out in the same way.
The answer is {"hour": 7, "minute": 10, "second": 53}
